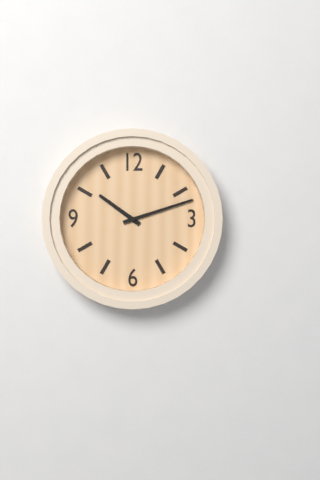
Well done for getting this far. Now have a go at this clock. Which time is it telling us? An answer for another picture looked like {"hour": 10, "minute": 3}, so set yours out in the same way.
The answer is {"hour": 10, "minute": 12}
